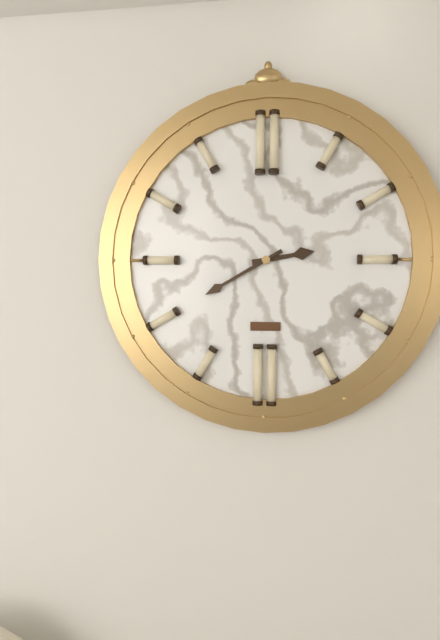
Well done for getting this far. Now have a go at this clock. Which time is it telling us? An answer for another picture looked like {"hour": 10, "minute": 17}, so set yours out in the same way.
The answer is {"hour": 2, "minute": 40}
